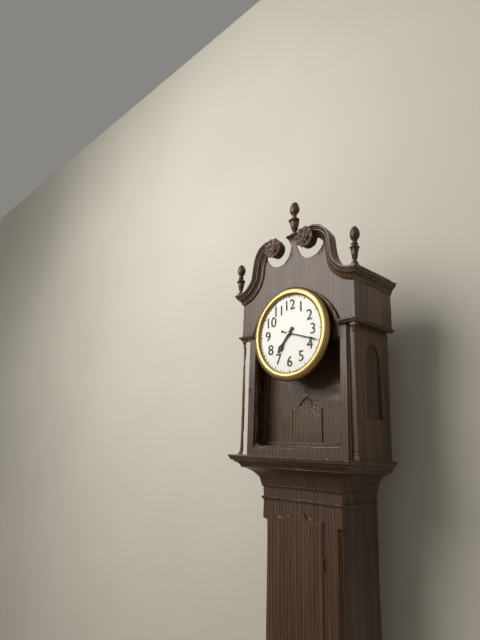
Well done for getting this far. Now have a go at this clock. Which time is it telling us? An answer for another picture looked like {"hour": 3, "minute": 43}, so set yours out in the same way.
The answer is {"hour": 7, "minute": 18}
